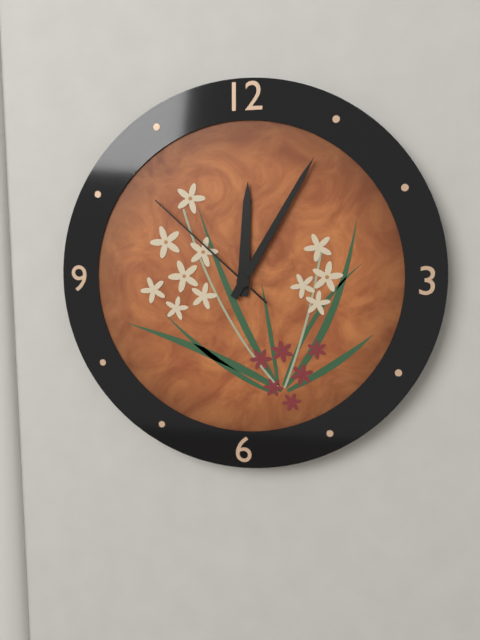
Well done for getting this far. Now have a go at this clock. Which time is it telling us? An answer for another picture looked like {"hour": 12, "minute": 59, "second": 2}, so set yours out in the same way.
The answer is {"hour": 12, "minute": 5, "second": 52}
